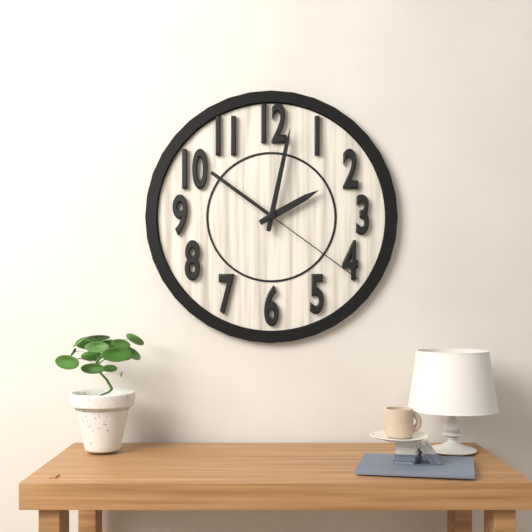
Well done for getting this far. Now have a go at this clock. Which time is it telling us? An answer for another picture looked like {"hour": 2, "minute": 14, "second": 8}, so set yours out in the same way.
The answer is {"hour": 2, "minute": 2, "second": 21}
